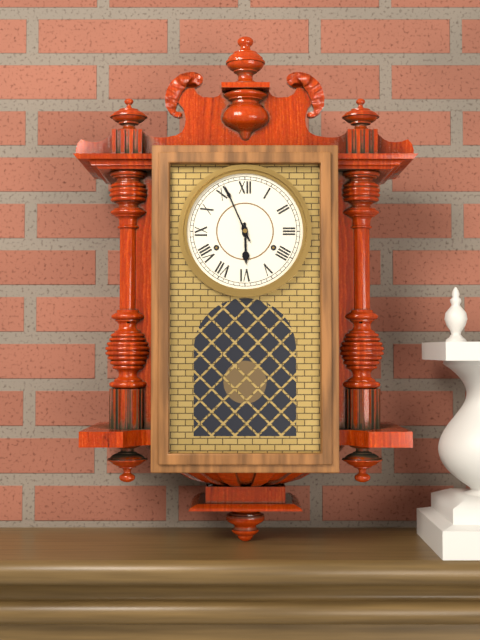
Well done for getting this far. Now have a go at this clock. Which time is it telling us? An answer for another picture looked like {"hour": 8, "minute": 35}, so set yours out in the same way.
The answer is {"hour": 5, "minute": 56}
